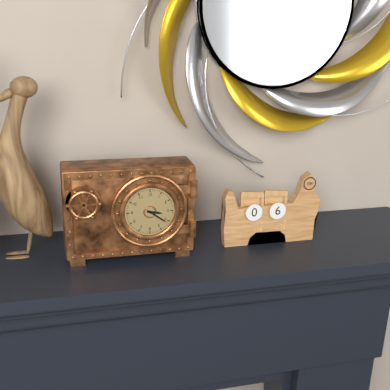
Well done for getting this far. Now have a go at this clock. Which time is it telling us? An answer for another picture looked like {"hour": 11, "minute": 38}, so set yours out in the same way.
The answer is {"hour": 3, "minute": 21}
